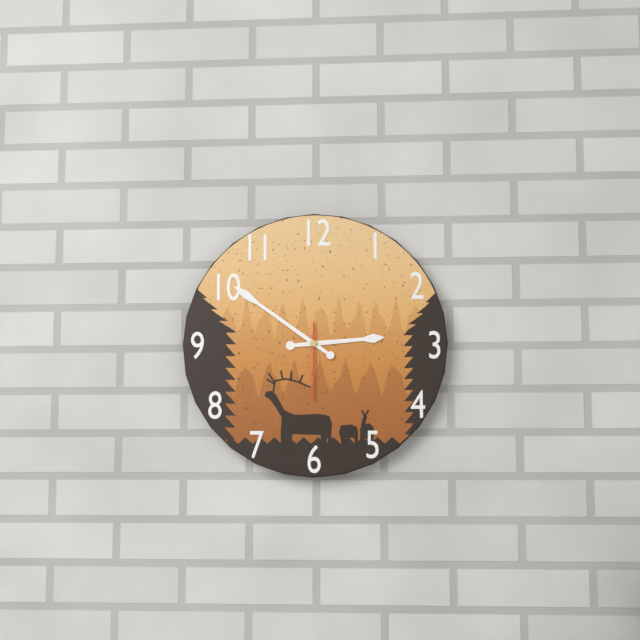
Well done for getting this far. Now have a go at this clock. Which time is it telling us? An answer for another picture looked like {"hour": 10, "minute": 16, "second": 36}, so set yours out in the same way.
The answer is {"hour": 2, "minute": 51, "second": 30}
